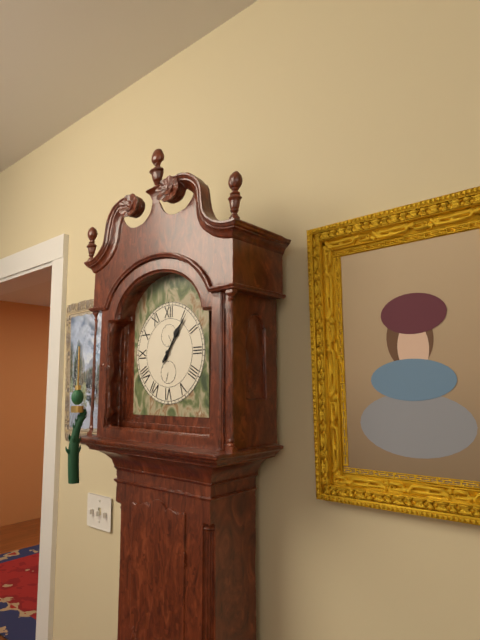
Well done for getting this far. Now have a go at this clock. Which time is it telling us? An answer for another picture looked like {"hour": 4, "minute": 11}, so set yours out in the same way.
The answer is {"hour": 1, "minute": 6}
